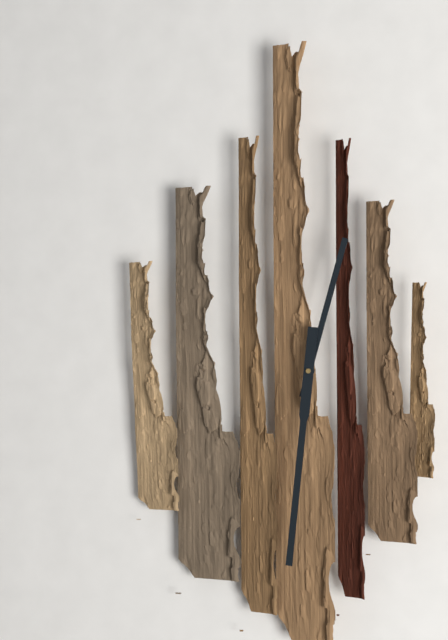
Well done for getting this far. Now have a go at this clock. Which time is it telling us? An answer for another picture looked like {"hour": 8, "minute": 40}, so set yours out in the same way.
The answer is {"hour": 12, "minute": 31}
